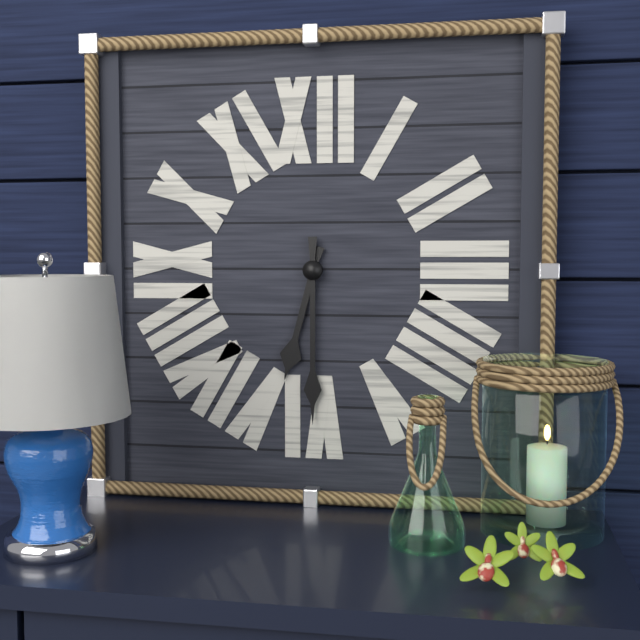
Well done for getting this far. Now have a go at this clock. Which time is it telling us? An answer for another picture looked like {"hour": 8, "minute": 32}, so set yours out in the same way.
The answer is {"hour": 6, "minute": 30}
